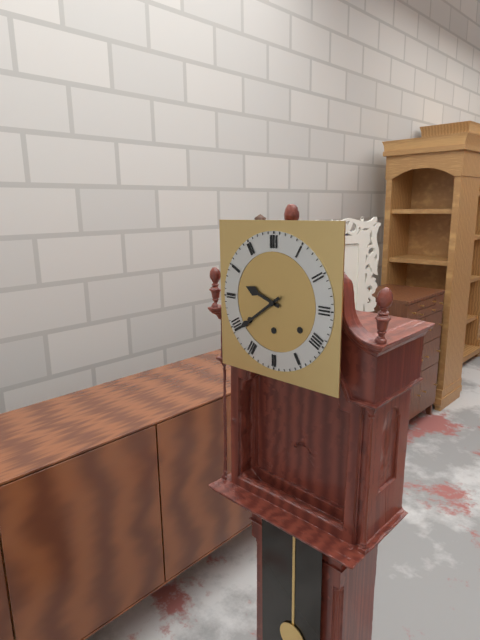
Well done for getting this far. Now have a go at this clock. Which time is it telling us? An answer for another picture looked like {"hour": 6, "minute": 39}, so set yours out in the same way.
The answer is {"hour": 9, "minute": 39}
